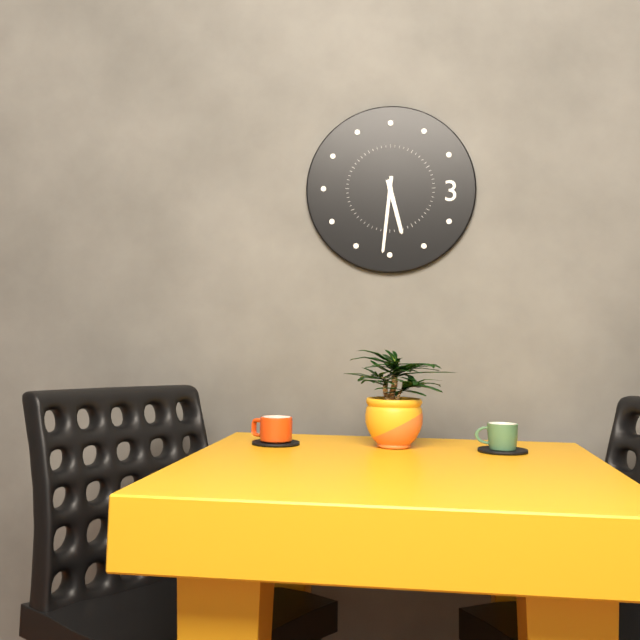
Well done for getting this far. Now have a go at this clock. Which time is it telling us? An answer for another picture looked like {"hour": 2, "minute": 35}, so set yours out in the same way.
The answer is {"hour": 5, "minute": 31}
